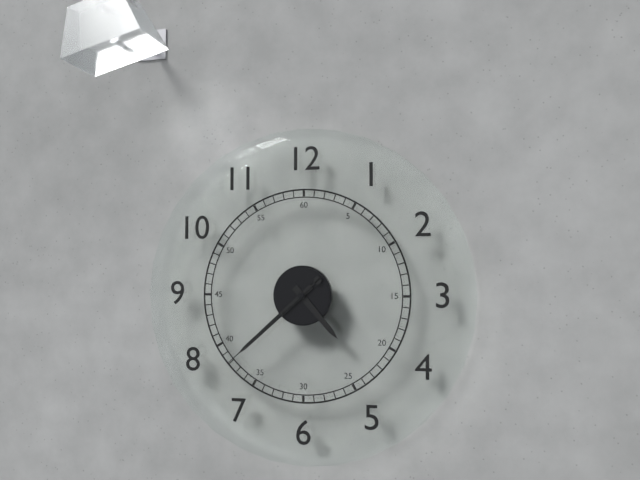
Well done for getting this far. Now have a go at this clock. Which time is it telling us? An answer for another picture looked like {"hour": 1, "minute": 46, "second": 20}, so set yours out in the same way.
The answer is {"hour": 4, "minute": 38, "second": 38}
